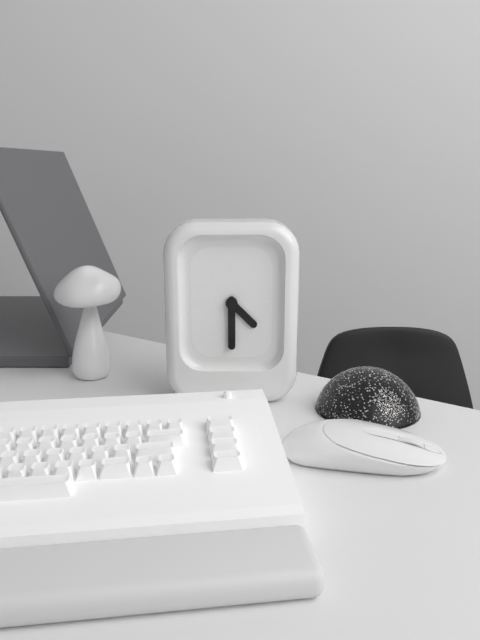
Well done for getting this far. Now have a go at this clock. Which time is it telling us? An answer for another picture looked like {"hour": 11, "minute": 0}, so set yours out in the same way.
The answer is {"hour": 4, "minute": 30}
